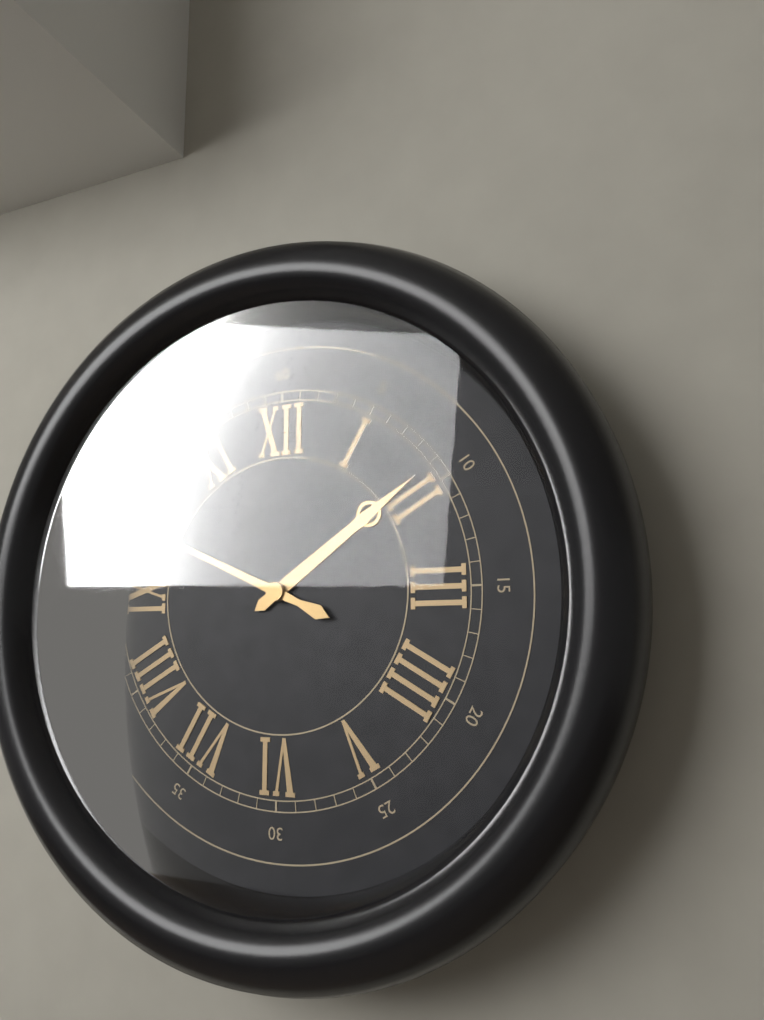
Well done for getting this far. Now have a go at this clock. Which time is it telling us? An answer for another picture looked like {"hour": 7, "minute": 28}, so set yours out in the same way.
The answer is {"hour": 1, "minute": 49}
